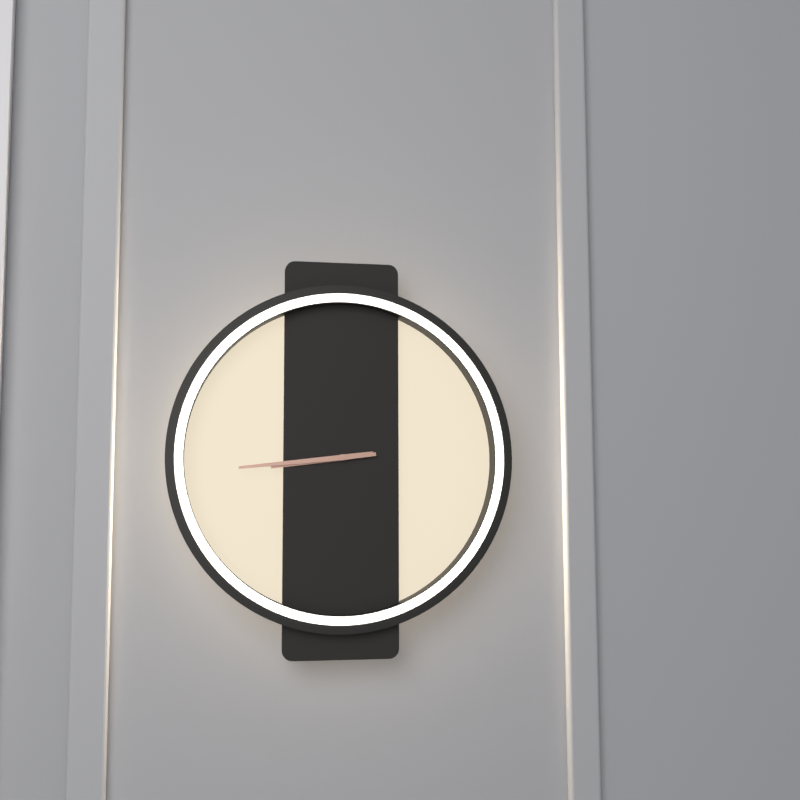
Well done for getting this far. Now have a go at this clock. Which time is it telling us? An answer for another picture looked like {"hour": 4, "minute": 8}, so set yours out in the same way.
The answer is {"hour": 8, "minute": 44}
